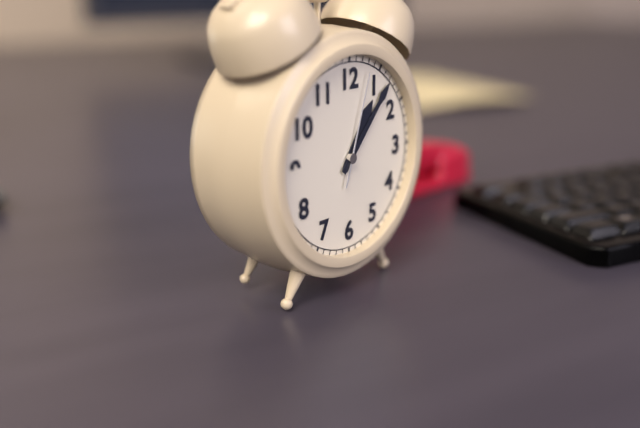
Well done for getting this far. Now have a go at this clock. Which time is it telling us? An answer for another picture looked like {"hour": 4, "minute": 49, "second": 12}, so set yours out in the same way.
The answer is {"hour": 1, "minute": 7, "second": 3}
